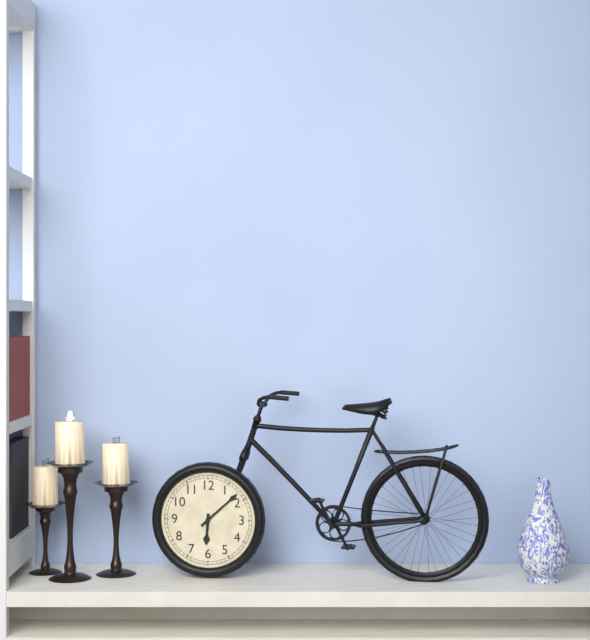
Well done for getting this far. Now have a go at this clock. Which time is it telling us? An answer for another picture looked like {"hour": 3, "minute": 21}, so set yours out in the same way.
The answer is {"hour": 6, "minute": 8}
